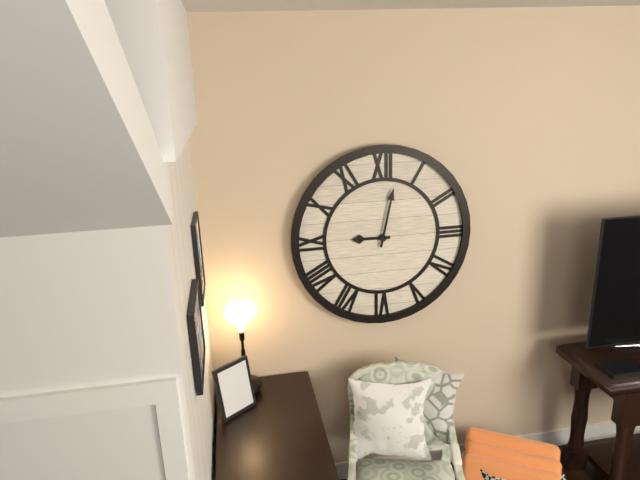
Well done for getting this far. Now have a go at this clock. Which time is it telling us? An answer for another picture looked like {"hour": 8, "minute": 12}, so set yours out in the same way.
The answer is {"hour": 9, "minute": 2}
